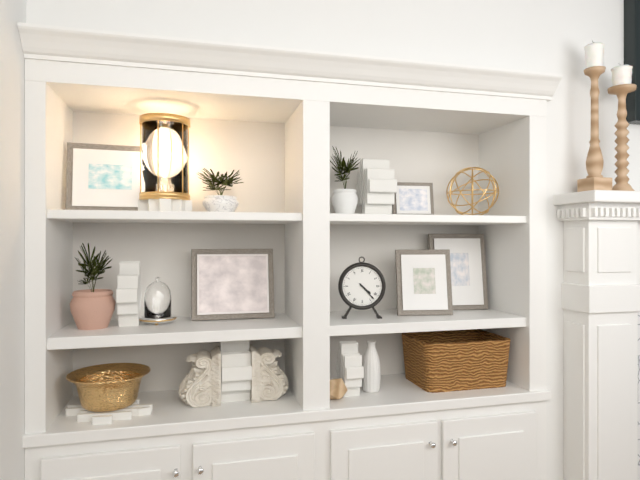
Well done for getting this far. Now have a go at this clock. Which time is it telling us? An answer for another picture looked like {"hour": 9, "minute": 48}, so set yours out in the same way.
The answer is {"hour": 4, "minute": 23}
